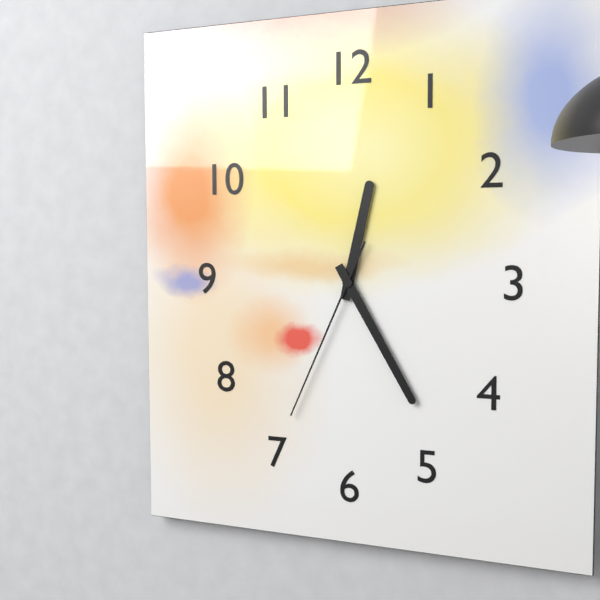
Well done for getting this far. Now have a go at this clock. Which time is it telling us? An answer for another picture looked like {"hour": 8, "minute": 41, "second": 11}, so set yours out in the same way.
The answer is {"hour": 12, "minute": 25, "second": 34}
